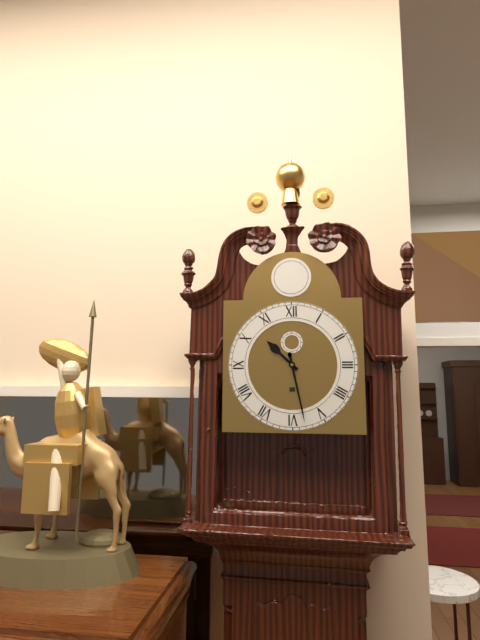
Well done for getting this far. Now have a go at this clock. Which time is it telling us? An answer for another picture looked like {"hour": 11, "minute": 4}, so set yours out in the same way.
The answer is {"hour": 10, "minute": 28}
